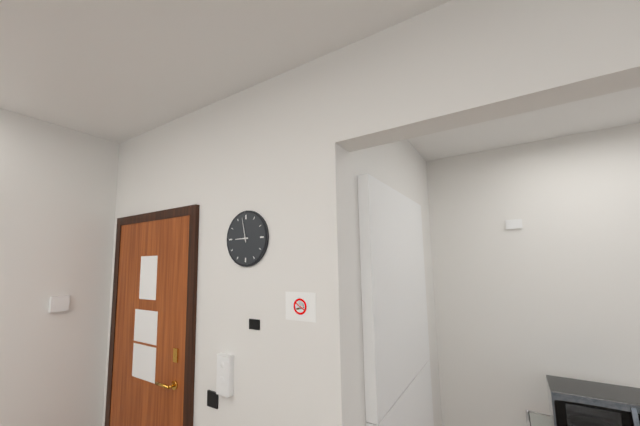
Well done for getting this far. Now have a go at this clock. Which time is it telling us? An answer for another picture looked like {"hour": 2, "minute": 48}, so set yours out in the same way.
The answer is {"hour": 8, "minute": 58}
